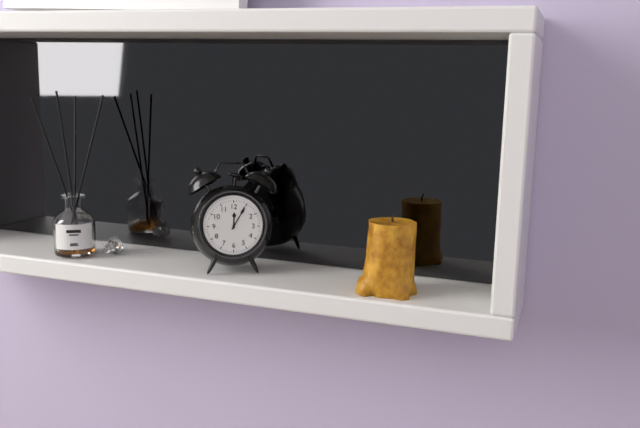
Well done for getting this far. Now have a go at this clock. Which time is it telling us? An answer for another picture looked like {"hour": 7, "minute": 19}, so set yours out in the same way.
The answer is {"hour": 12, "minute": 5}
